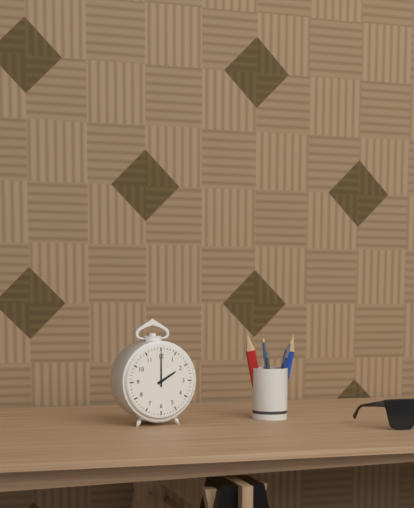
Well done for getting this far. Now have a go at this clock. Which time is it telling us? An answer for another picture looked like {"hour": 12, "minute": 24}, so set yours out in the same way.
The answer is {"hour": 2, "minute": 0}
